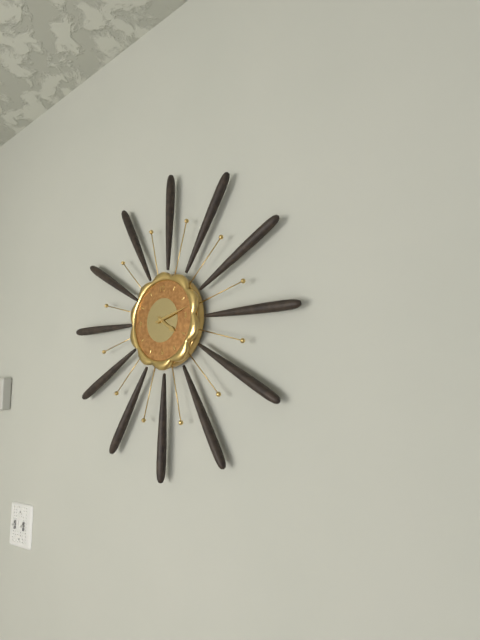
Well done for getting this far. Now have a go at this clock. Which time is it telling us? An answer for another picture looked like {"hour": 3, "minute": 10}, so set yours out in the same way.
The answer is {"hour": 4, "minute": 13}
